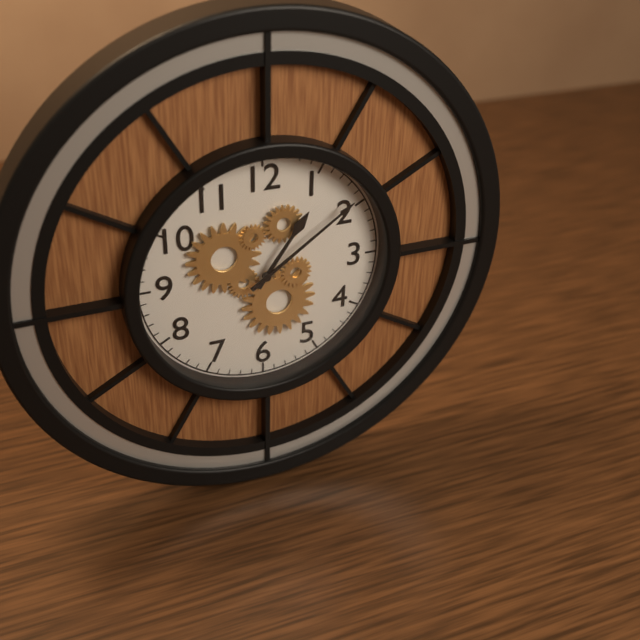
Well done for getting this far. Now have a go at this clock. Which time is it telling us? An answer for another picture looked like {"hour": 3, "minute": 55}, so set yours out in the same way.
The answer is {"hour": 1, "minute": 9}
